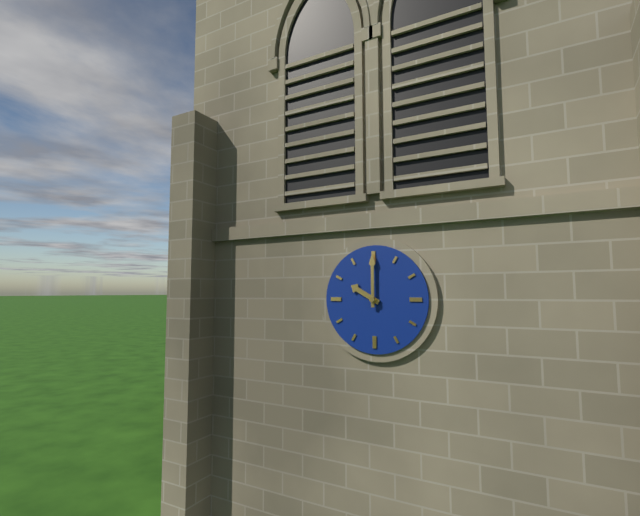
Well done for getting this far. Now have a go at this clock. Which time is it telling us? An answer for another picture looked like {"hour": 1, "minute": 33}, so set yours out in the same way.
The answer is {"hour": 10, "minute": 0}
